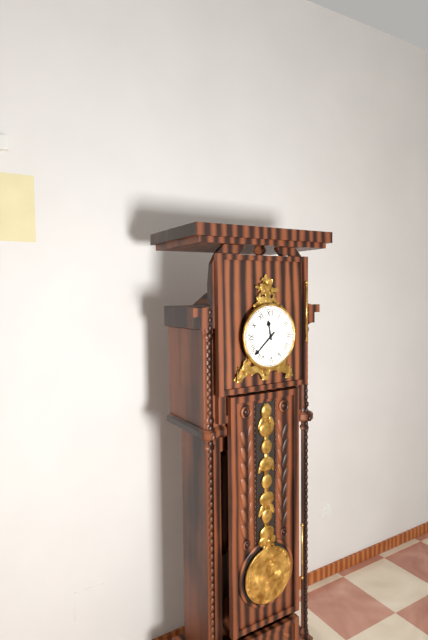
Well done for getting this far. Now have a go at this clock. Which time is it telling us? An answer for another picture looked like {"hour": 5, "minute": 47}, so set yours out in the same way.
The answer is {"hour": 11, "minute": 38}
